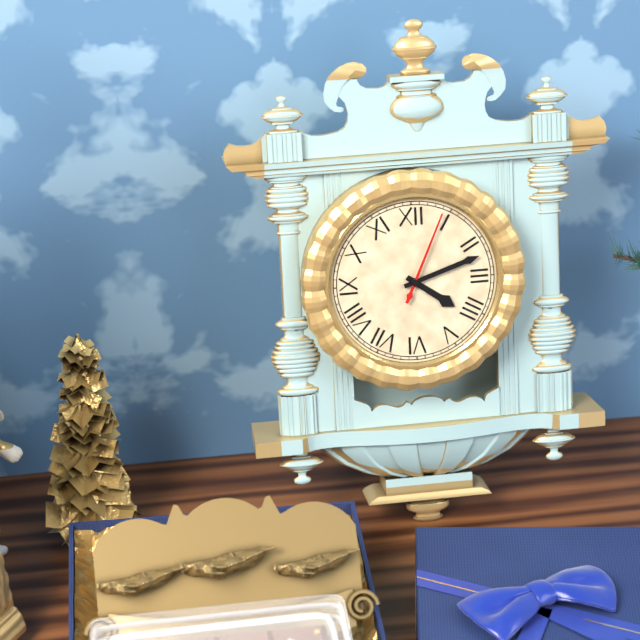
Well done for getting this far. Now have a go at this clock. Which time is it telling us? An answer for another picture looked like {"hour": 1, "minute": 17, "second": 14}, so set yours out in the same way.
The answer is {"hour": 4, "minute": 12, "second": 4}
